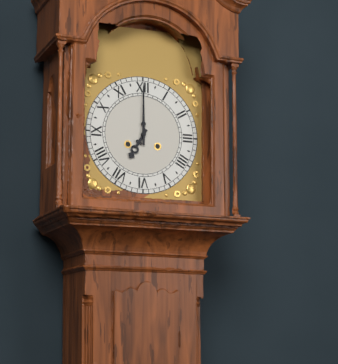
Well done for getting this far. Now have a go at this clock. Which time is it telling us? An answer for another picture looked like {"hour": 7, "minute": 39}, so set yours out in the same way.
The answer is {"hour": 7, "minute": 0}
